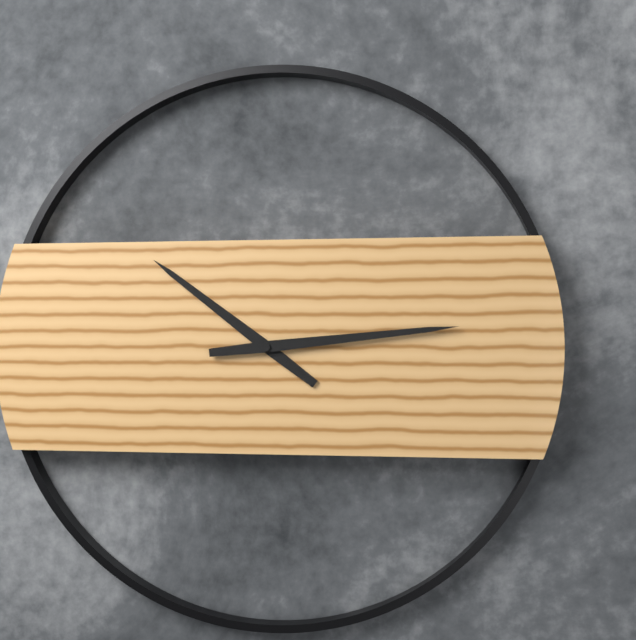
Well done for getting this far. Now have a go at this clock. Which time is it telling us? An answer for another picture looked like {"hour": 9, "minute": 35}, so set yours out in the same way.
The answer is {"hour": 10, "minute": 14}
